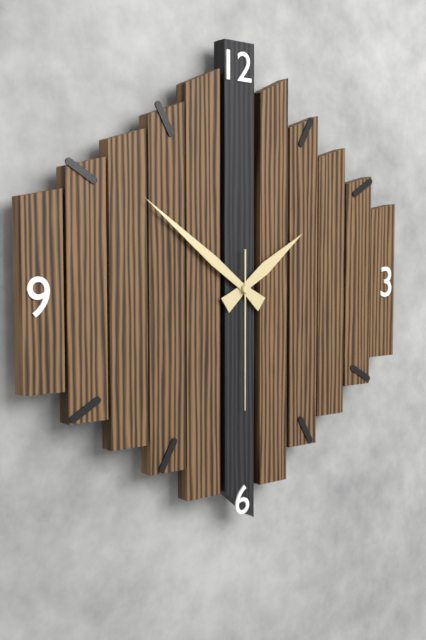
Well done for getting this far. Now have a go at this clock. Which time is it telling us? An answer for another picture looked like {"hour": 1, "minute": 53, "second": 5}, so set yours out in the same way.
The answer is {"hour": 1, "minute": 51, "second": 30}
